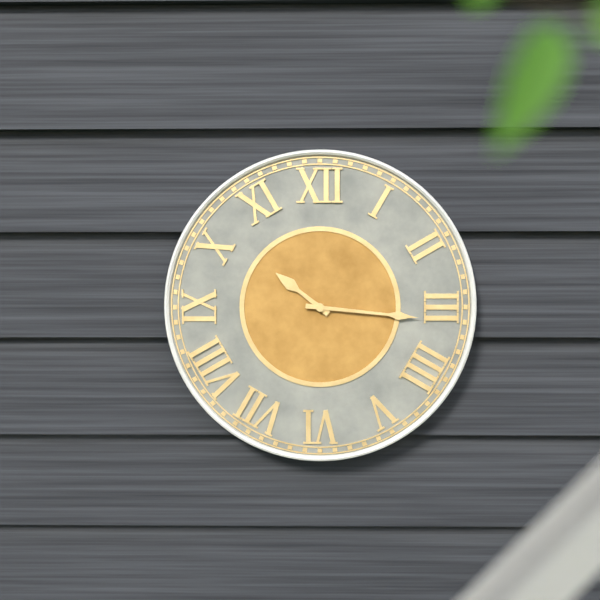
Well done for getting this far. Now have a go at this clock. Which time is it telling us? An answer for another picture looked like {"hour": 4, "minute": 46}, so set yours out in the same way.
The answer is {"hour": 10, "minute": 16}
